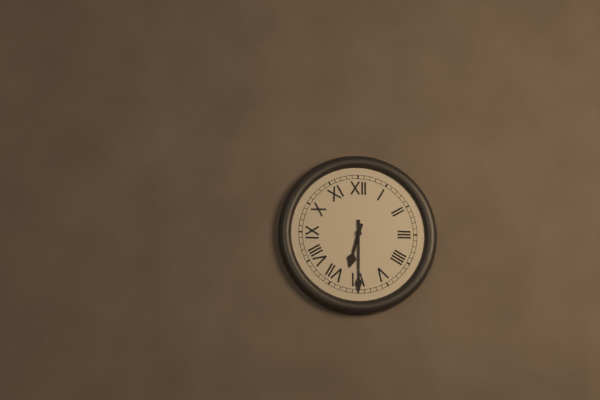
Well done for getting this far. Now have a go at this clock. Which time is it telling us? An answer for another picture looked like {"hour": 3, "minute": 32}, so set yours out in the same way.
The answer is {"hour": 6, "minute": 30}
